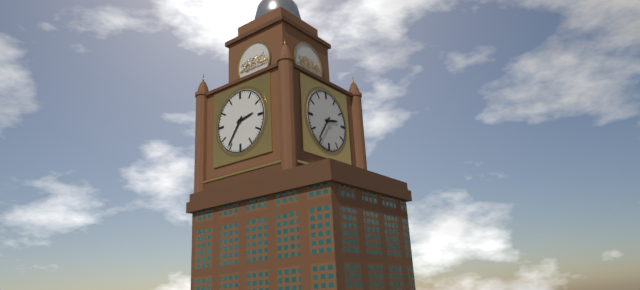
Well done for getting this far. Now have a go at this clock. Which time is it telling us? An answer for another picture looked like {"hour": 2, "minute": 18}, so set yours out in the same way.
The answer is {"hour": 2, "minute": 36}
